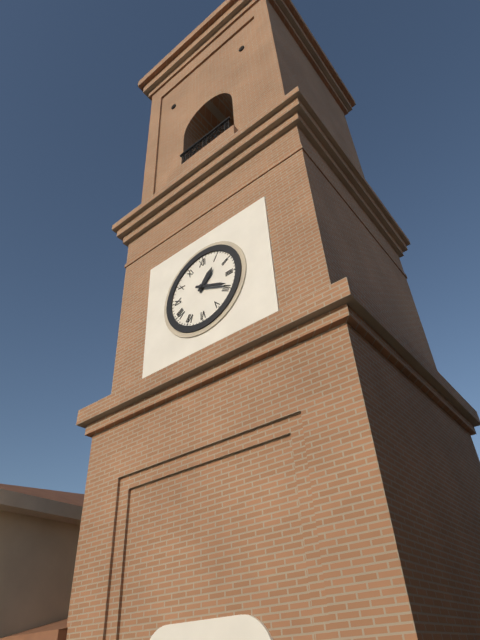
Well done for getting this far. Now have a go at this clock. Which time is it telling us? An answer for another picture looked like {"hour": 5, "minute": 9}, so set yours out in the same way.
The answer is {"hour": 1, "minute": 19}
